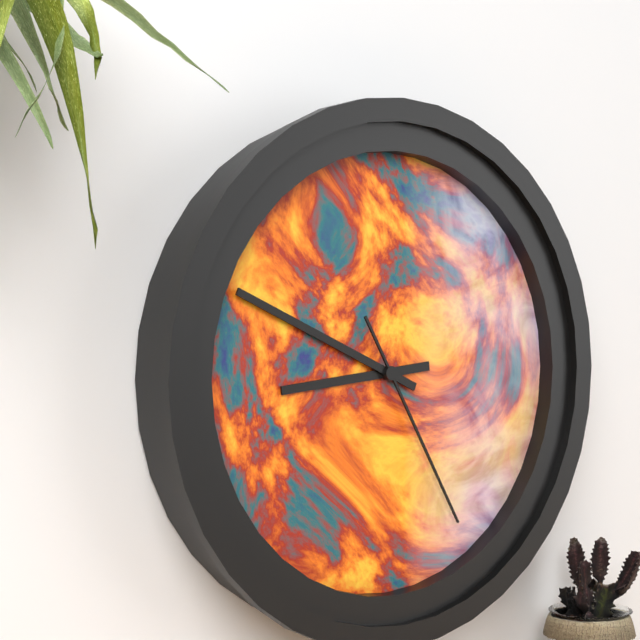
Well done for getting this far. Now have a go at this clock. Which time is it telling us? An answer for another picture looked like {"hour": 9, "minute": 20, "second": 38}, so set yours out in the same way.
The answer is {"hour": 8, "minute": 49, "second": 25}
